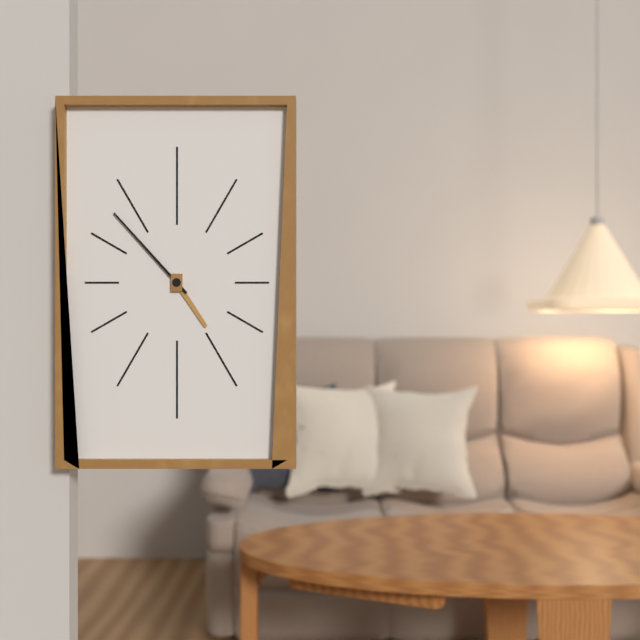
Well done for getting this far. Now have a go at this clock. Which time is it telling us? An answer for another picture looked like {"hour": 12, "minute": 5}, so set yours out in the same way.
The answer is {"hour": 4, "minute": 53}
